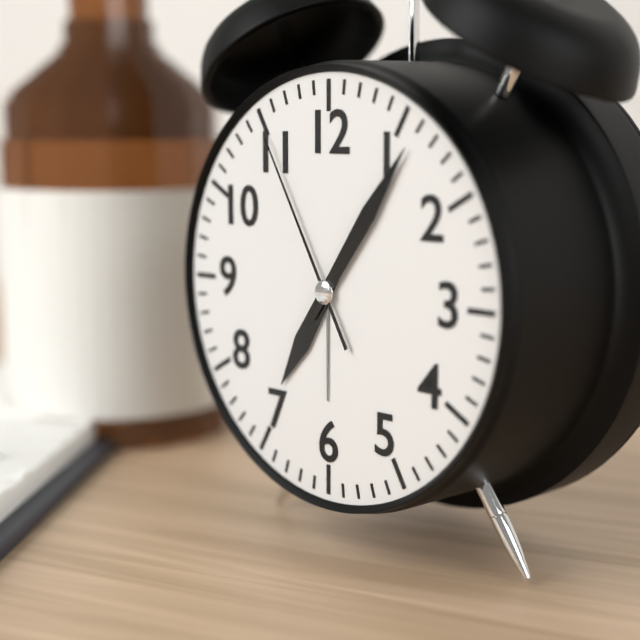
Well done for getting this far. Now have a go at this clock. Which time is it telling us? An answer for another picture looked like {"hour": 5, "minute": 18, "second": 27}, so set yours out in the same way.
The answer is {"hour": 7, "minute": 6, "second": 55}
